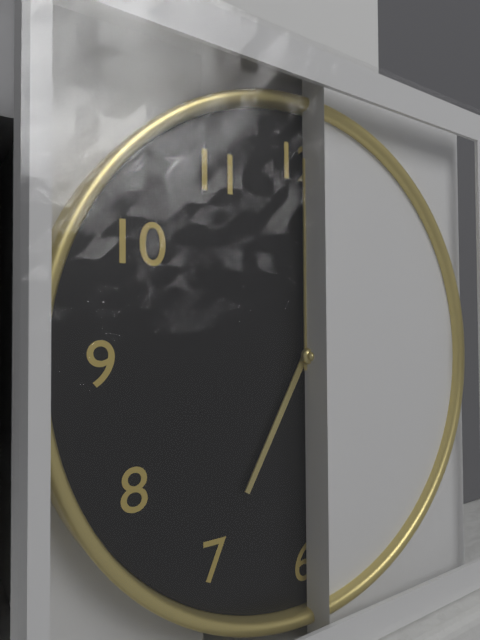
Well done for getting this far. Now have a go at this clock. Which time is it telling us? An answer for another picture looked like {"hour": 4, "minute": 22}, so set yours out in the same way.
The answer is {"hour": 7, "minute": 0}
